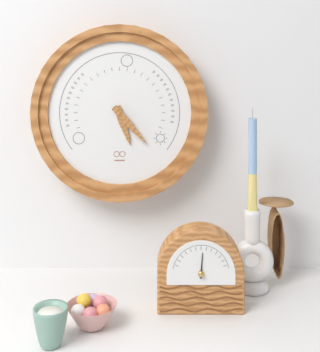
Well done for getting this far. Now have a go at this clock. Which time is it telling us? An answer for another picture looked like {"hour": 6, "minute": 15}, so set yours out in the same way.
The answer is {"hour": 5, "minute": 23}
